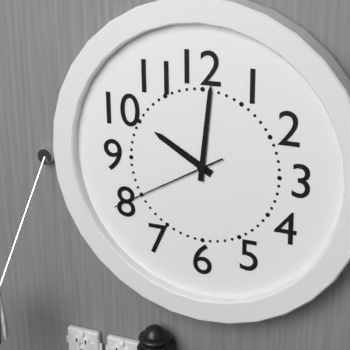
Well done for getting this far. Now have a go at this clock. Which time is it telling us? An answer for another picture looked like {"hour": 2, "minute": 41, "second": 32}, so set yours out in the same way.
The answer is {"hour": 10, "minute": 1, "second": 40}
